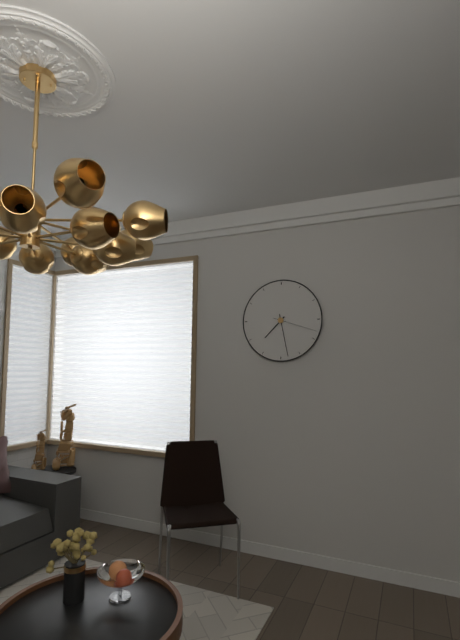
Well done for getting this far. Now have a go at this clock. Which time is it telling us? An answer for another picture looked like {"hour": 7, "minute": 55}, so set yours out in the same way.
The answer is {"hour": 7, "minute": 28}
